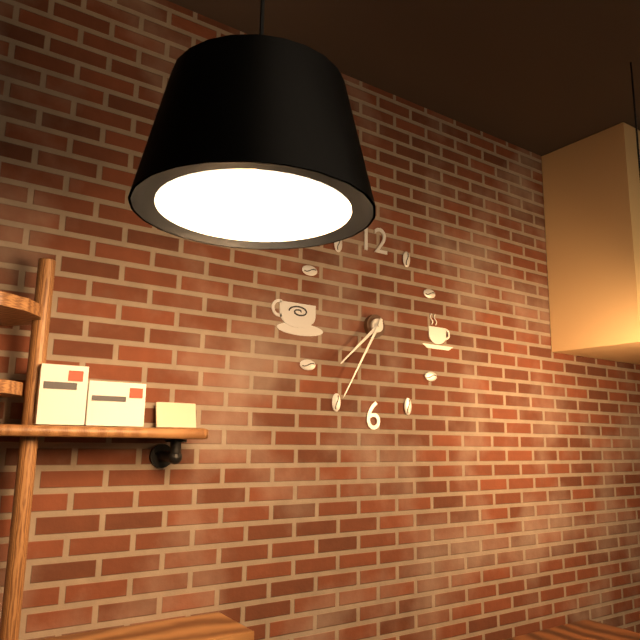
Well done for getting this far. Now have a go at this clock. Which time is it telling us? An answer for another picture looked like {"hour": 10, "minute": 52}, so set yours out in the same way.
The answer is {"hour": 7, "minute": 35}
